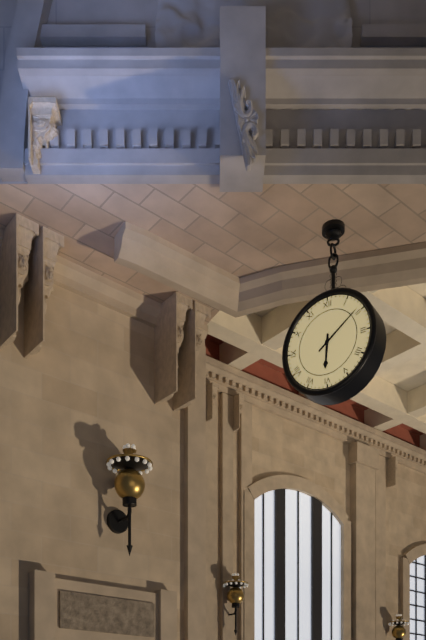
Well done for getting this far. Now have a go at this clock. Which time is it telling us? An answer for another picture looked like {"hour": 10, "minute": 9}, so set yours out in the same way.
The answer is {"hour": 6, "minute": 9}
